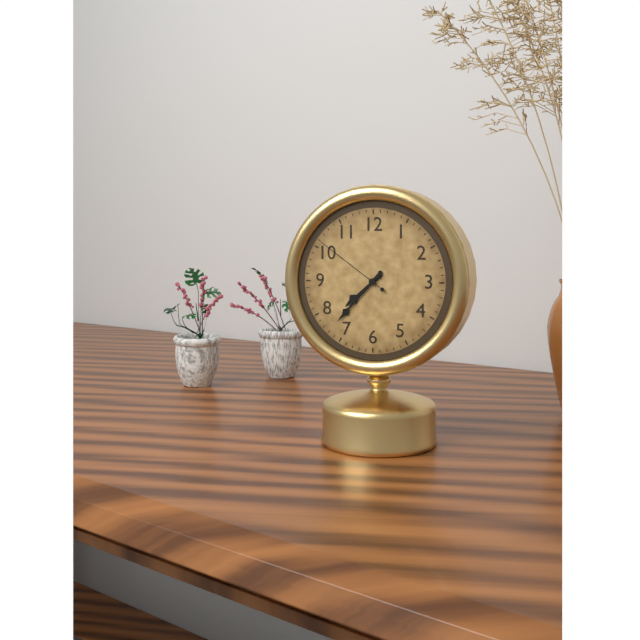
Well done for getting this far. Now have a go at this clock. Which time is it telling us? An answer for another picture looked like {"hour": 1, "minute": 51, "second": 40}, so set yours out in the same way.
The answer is {"hour": 7, "minute": 37, "second": 51}
